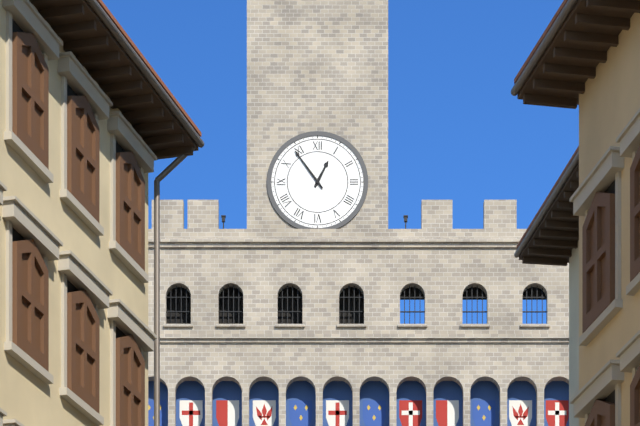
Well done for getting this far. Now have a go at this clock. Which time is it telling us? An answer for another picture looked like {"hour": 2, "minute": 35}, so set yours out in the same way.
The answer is {"hour": 12, "minute": 54}
